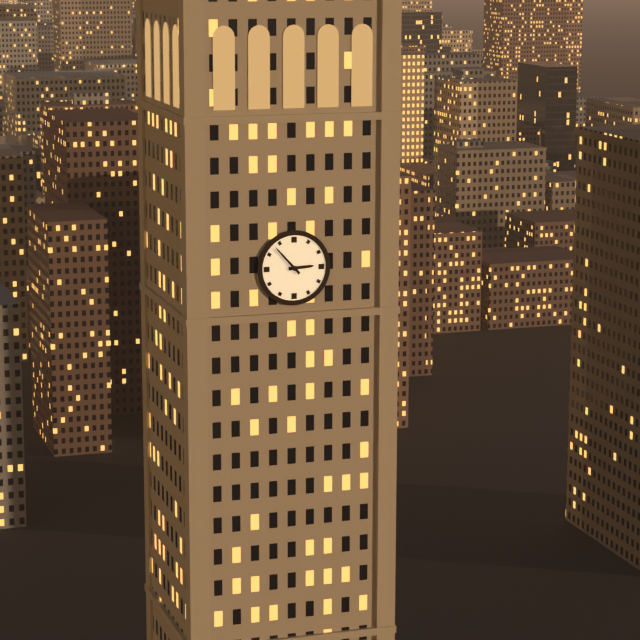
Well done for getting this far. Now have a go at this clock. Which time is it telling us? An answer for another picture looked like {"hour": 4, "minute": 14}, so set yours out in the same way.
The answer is {"hour": 2, "minute": 53}
